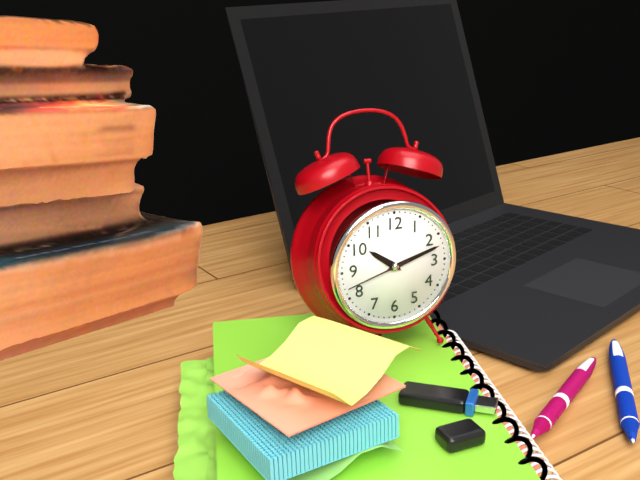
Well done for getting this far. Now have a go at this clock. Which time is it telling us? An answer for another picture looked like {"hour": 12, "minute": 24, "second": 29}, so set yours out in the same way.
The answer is {"hour": 10, "minute": 12, "second": 42}
